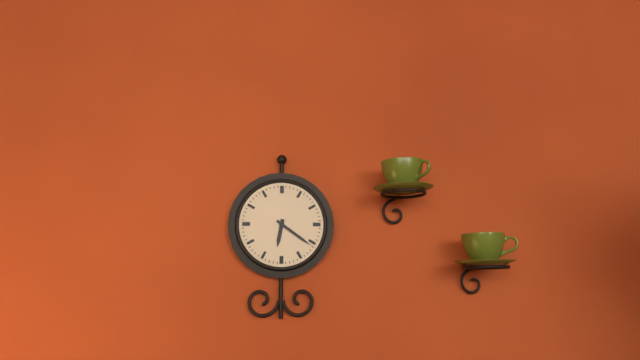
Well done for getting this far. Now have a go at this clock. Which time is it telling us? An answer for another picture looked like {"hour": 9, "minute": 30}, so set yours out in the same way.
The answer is {"hour": 6, "minute": 21}
